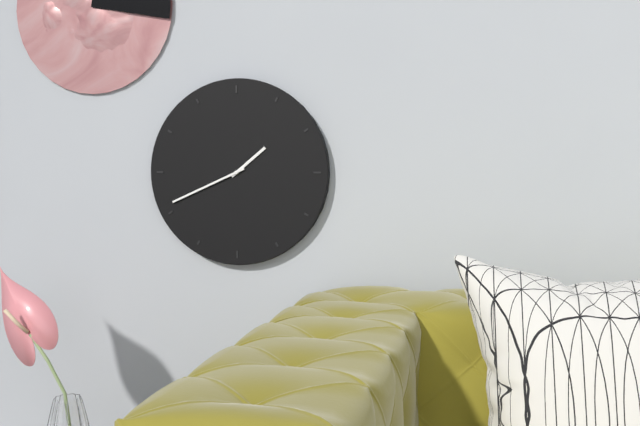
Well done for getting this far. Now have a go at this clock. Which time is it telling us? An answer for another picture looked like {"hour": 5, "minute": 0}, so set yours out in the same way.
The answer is {"hour": 1, "minute": 41}
